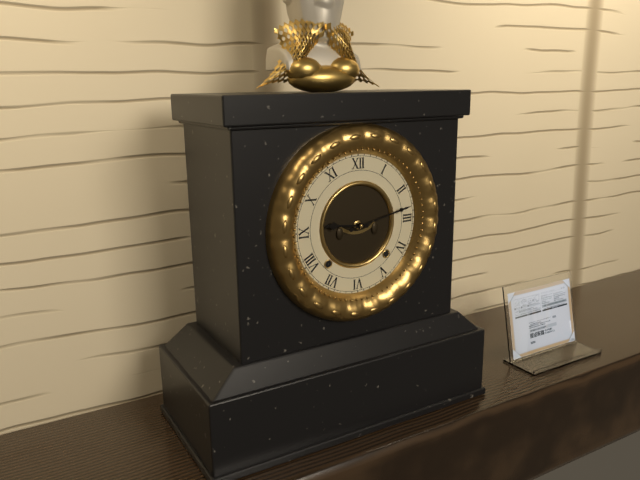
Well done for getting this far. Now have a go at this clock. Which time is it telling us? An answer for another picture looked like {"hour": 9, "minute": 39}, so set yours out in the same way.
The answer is {"hour": 9, "minute": 13}
